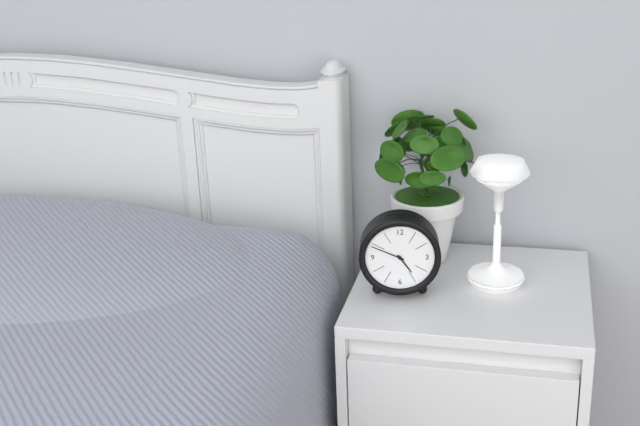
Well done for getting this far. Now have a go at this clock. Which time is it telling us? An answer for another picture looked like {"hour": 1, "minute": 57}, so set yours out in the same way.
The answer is {"hour": 4, "minute": 49}
